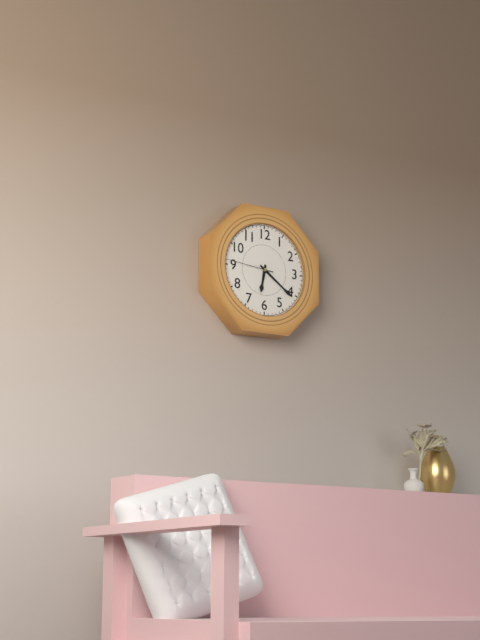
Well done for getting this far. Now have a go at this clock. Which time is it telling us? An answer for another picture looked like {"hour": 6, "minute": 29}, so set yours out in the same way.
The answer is {"hour": 6, "minute": 21}
